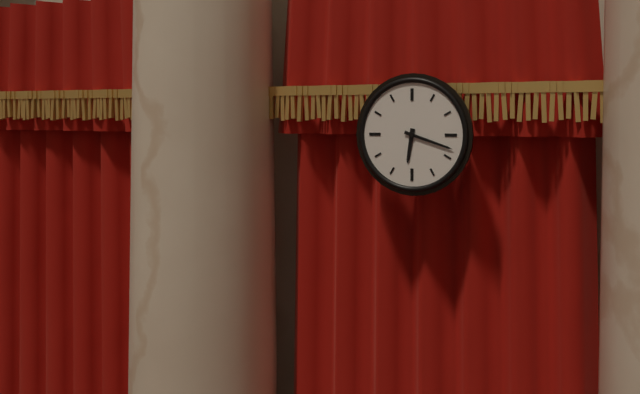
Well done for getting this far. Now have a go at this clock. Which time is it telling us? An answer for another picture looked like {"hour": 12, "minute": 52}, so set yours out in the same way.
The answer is {"hour": 6, "minute": 18}
